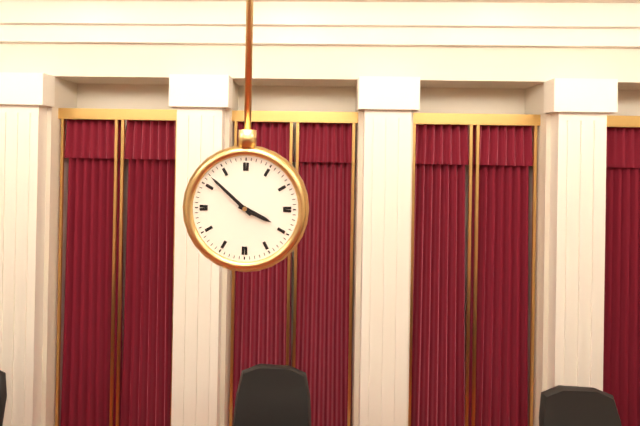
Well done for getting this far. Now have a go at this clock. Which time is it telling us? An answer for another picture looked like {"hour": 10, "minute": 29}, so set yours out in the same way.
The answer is {"hour": 3, "minute": 52}
